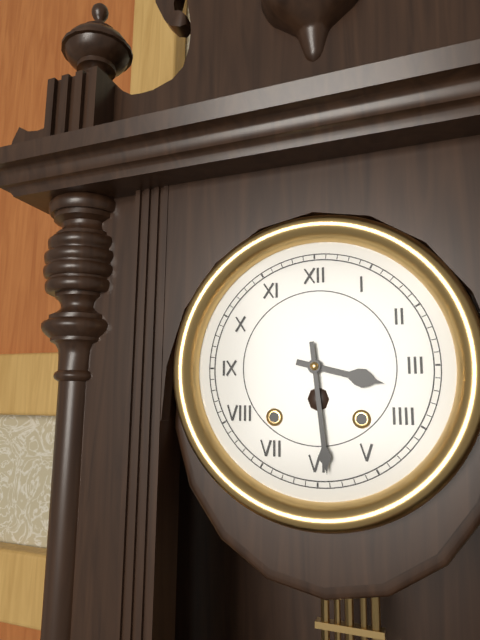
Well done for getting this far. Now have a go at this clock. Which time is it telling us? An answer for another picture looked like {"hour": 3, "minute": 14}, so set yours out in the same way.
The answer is {"hour": 3, "minute": 29}
